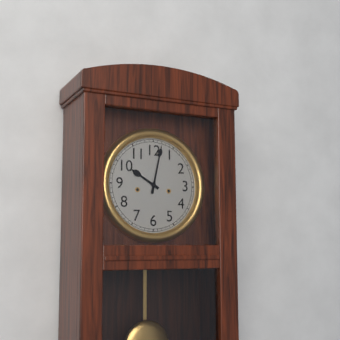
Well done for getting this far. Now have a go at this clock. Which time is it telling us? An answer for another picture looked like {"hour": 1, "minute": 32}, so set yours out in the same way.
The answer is {"hour": 10, "minute": 2}
